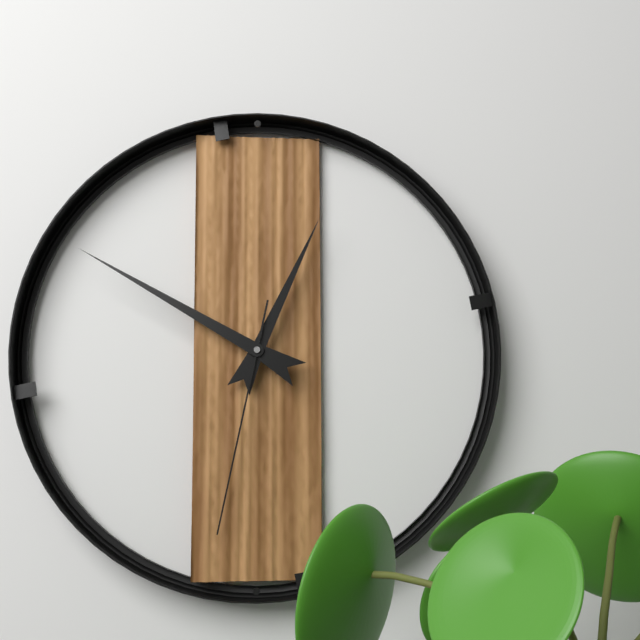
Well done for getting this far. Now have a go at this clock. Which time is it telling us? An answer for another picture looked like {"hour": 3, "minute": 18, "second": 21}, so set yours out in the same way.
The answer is {"hour": 12, "minute": 50, "second": 32}
